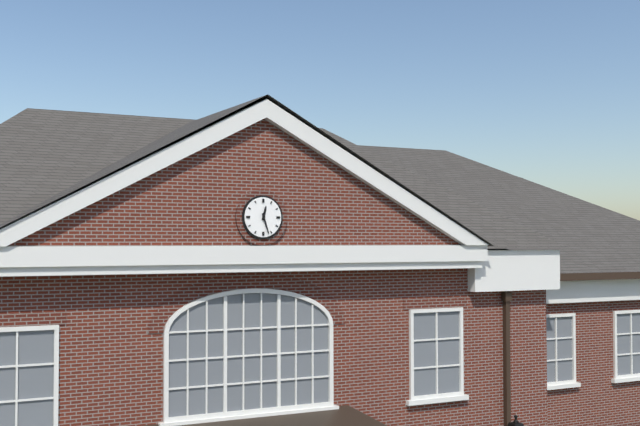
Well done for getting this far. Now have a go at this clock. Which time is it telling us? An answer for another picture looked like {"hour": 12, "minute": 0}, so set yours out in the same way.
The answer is {"hour": 12, "minute": 27}
